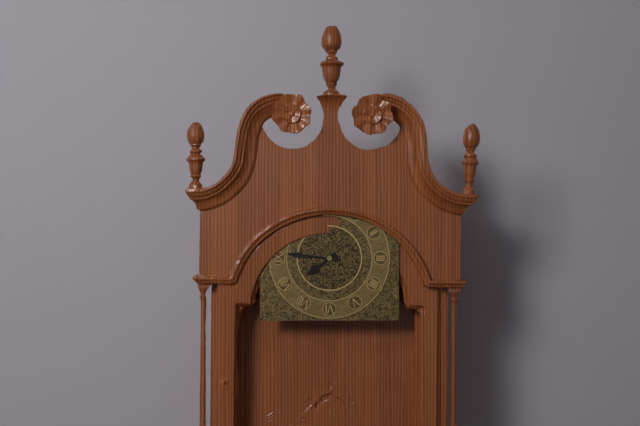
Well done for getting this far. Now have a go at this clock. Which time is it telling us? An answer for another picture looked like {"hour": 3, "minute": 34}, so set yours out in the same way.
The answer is {"hour": 7, "minute": 46}
